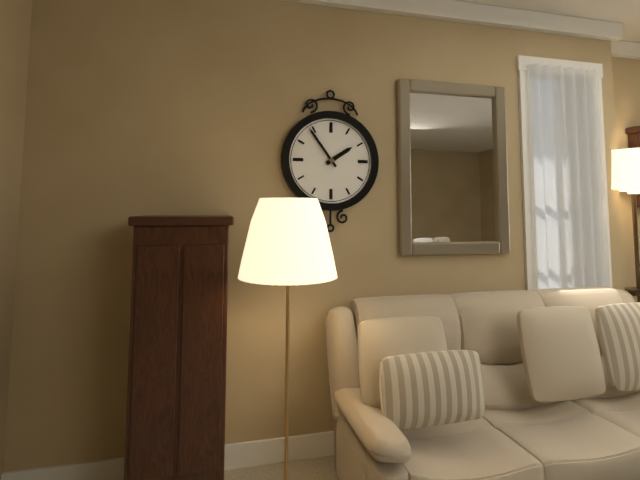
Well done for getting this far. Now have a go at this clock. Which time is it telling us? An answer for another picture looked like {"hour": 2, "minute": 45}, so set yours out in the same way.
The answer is {"hour": 1, "minute": 54}
